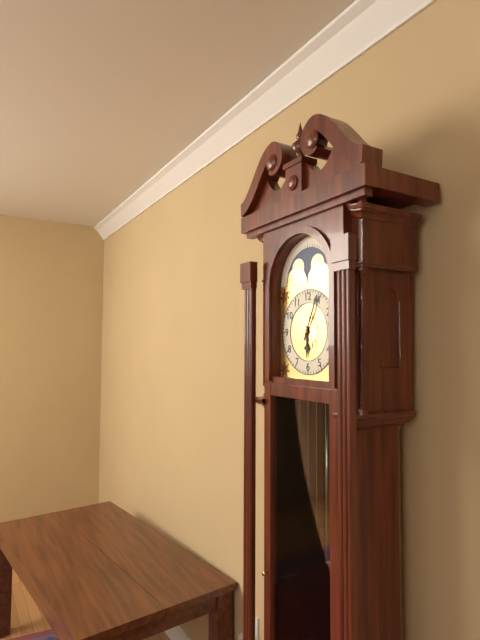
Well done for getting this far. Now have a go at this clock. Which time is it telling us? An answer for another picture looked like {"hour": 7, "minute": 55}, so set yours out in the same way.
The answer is {"hour": 6, "minute": 4}
